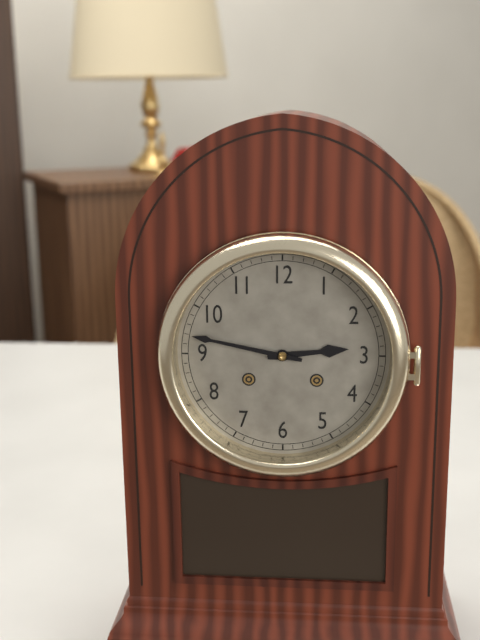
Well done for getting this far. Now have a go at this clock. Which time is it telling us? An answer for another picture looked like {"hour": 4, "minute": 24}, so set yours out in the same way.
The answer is {"hour": 2, "minute": 47}
